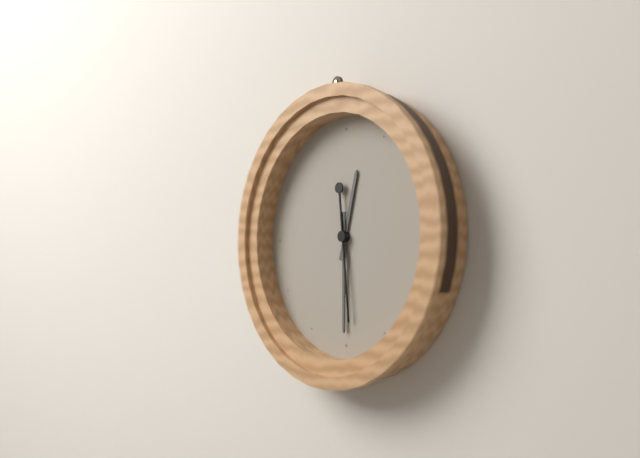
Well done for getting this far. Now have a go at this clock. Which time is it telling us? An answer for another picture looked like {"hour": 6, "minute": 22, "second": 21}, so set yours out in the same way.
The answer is {"hour": 12, "minute": 30, "second": 29}
